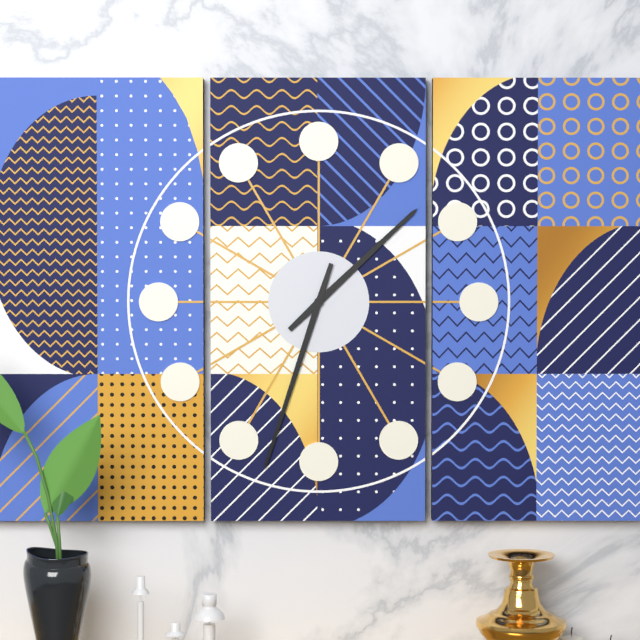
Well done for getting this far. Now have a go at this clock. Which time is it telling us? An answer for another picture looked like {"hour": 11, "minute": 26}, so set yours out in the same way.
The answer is {"hour": 1, "minute": 33}
